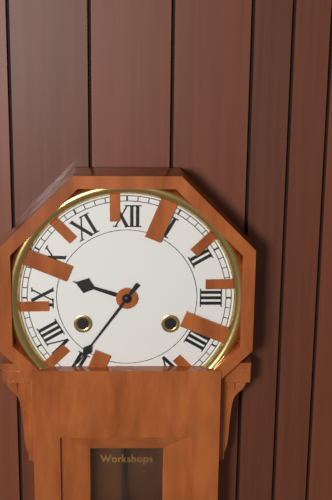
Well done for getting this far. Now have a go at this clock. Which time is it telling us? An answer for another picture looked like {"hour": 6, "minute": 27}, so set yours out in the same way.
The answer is {"hour": 9, "minute": 36}
